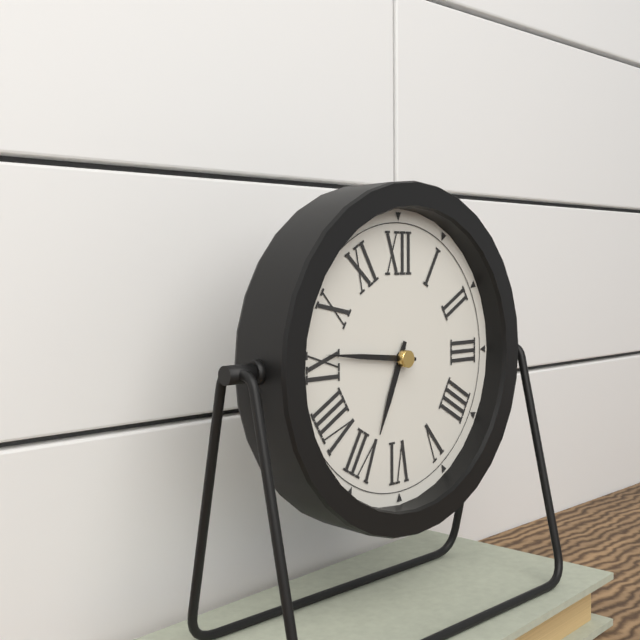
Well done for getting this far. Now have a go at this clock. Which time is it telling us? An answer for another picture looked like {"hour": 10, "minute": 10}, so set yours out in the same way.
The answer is {"hour": 6, "minute": 46}
